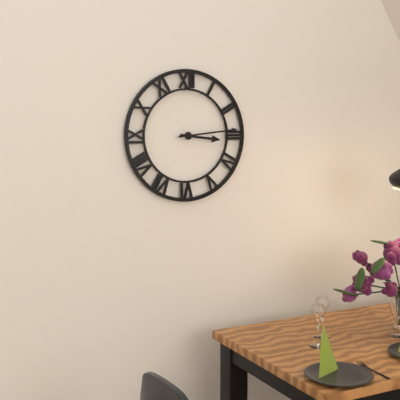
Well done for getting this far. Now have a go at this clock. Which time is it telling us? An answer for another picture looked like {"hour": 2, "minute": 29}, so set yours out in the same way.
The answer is {"hour": 3, "minute": 14}
